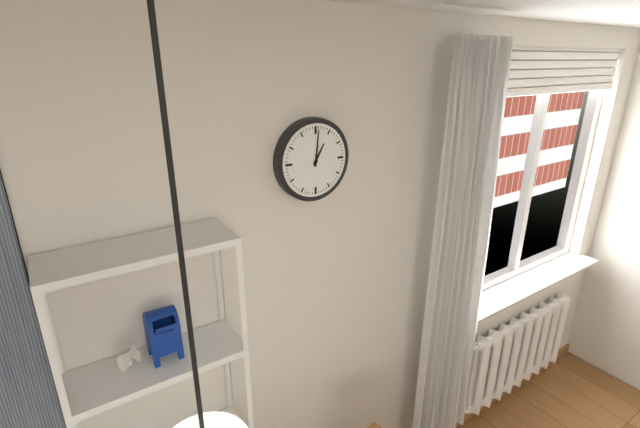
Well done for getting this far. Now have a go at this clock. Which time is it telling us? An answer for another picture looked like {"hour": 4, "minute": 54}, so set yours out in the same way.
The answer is {"hour": 1, "minute": 1}
